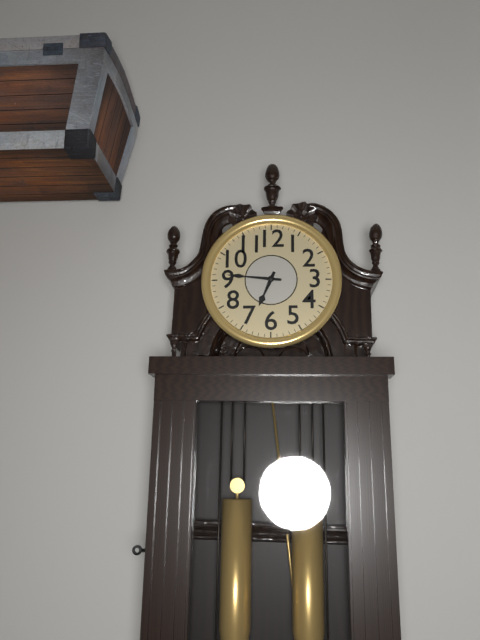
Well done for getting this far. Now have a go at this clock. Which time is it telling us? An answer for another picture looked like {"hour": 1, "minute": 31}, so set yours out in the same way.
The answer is {"hour": 6, "minute": 46}
